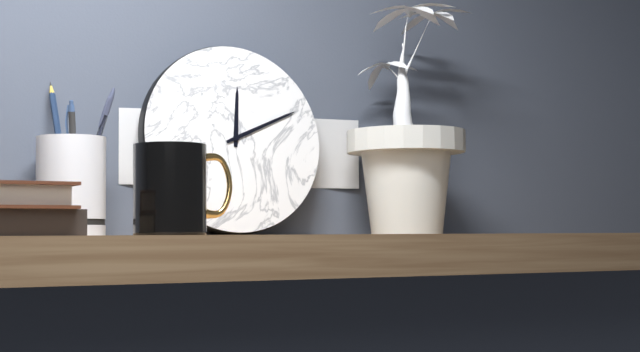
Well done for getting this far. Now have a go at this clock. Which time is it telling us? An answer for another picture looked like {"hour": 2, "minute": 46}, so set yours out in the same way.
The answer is {"hour": 12, "minute": 11}
